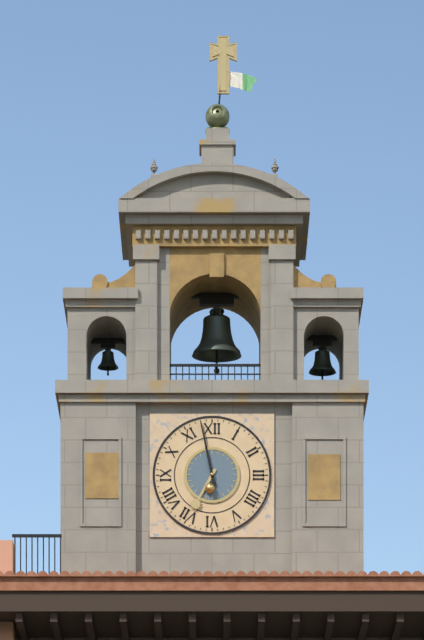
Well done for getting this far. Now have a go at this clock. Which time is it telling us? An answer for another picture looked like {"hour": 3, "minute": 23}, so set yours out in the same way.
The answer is {"hour": 6, "minute": 58}
